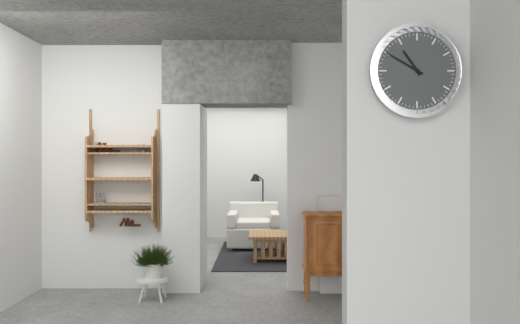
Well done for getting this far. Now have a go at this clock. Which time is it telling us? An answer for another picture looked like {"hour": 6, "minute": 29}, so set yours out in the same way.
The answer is {"hour": 10, "minute": 50}
